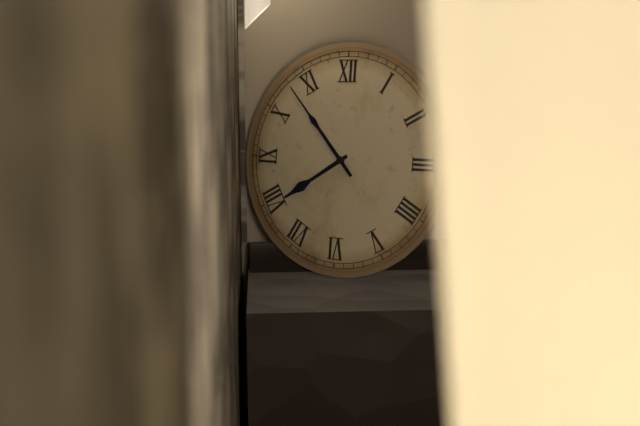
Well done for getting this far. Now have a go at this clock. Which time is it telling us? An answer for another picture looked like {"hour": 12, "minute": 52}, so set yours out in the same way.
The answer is {"hour": 7, "minute": 53}
